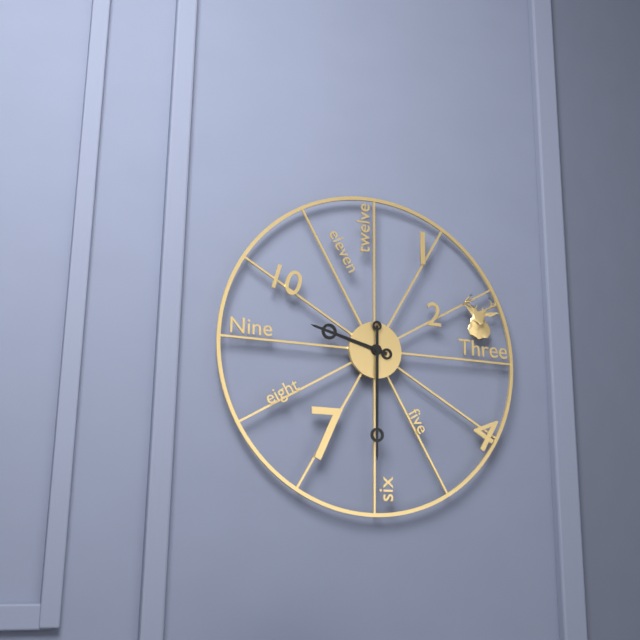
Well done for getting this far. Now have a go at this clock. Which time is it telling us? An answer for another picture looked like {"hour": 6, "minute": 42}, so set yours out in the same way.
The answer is {"hour": 9, "minute": 30}
